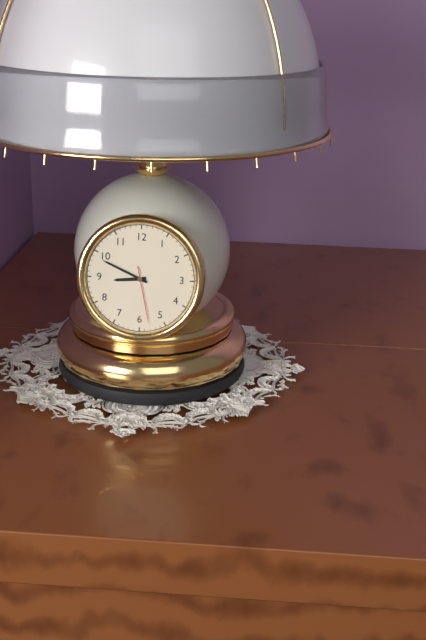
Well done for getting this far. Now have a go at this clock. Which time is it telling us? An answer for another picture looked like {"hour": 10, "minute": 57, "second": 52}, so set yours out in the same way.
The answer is {"hour": 8, "minute": 49, "second": 28}
